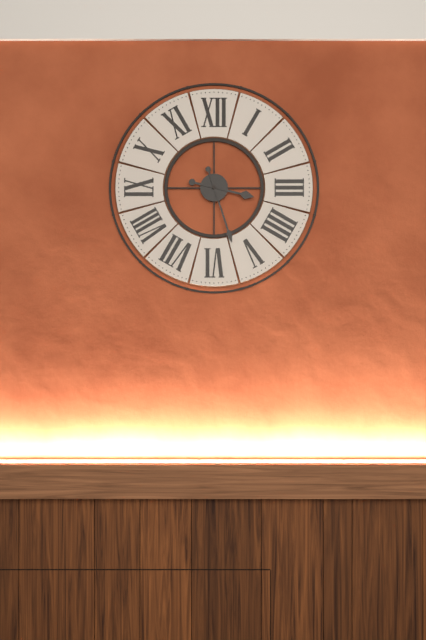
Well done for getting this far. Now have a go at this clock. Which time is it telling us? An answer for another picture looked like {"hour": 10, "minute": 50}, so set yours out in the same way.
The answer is {"hour": 3, "minute": 27}
